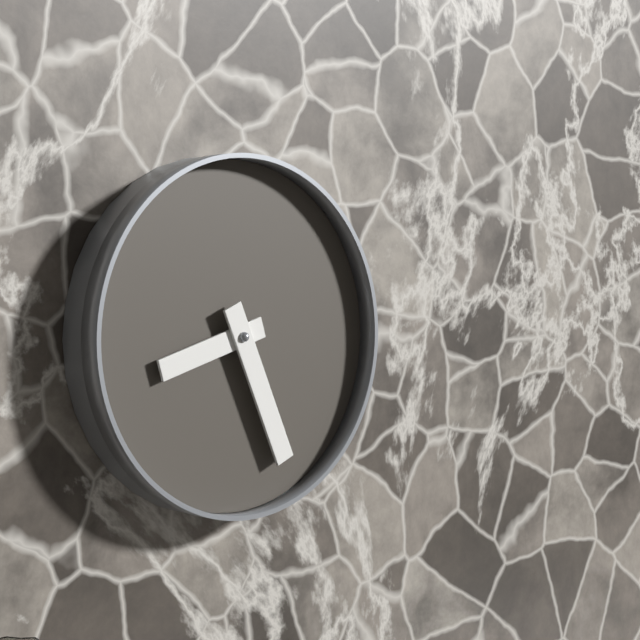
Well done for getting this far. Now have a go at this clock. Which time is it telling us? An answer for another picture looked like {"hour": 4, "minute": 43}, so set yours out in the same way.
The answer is {"hour": 8, "minute": 26}
